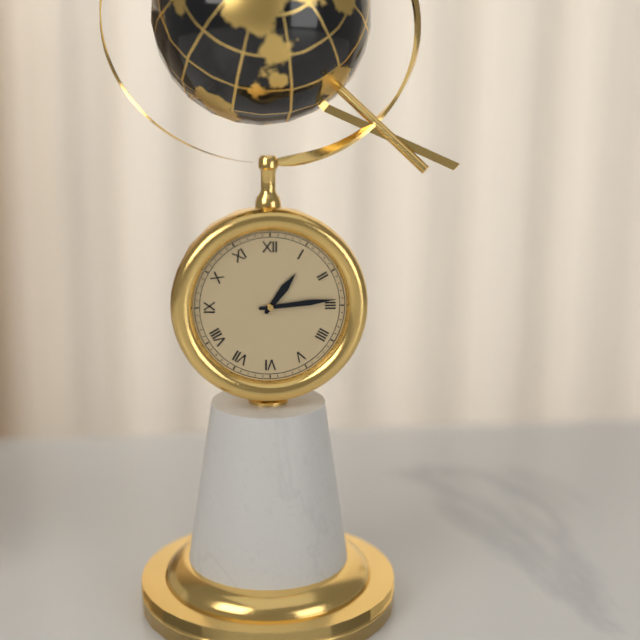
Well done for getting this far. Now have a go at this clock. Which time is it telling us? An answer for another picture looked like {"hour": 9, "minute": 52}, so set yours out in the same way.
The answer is {"hour": 1, "minute": 14}
